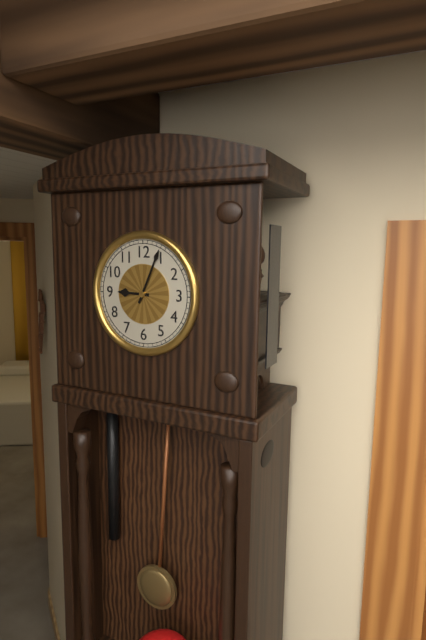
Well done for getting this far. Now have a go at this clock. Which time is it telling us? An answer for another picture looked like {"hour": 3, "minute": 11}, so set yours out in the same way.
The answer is {"hour": 9, "minute": 4}
